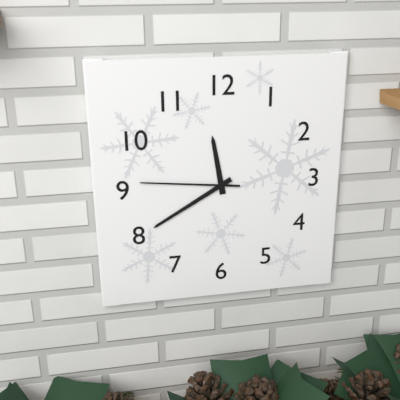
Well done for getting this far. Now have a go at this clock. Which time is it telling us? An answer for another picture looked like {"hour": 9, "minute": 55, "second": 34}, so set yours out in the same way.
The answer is {"hour": 11, "minute": 40, "second": 46}
